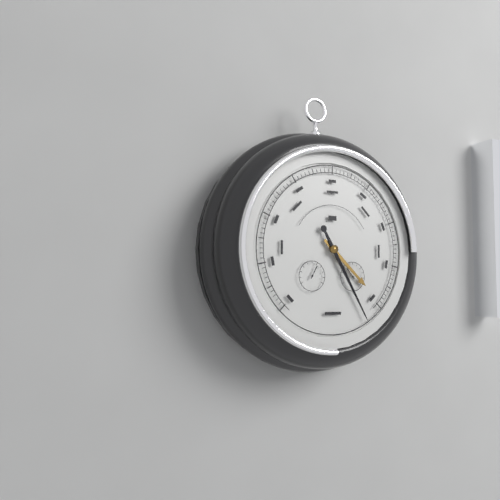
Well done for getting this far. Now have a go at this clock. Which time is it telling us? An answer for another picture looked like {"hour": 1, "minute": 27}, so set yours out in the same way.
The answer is {"hour": 4, "minute": 25}
